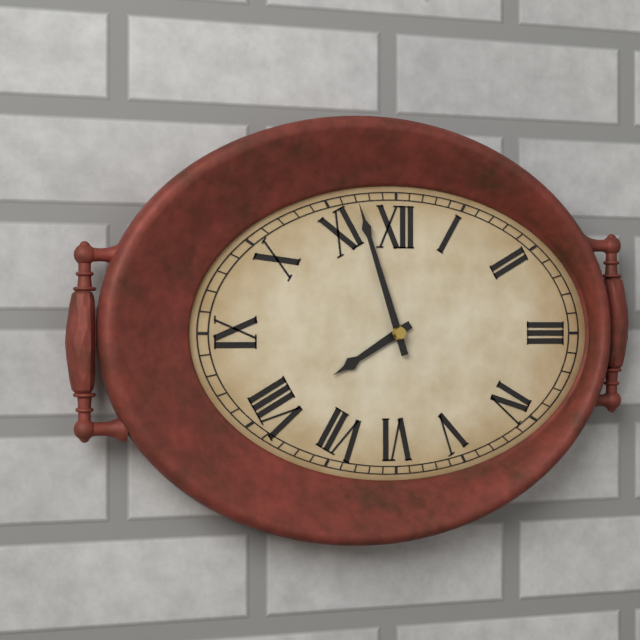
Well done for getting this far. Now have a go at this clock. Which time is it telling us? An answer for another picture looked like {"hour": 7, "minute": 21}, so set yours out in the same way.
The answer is {"hour": 7, "minute": 57}
